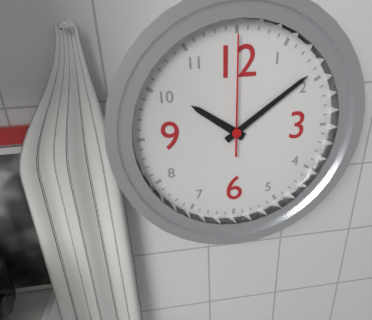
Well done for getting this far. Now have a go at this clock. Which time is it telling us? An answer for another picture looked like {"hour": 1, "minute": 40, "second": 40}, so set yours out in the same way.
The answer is {"hour": 10, "minute": 9, "second": 0}
